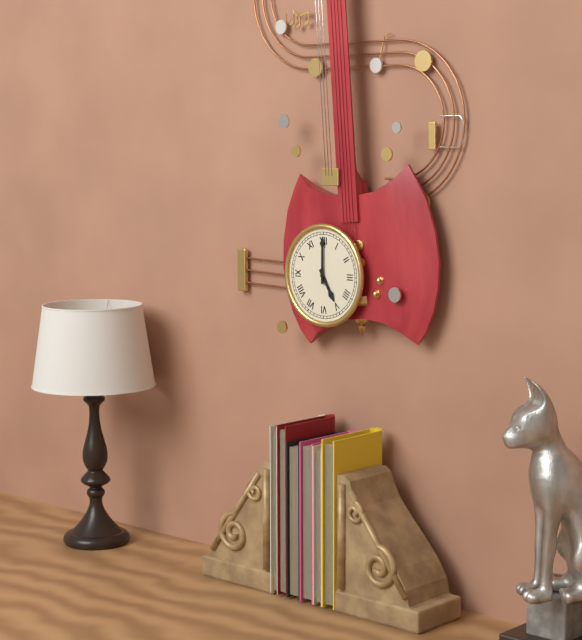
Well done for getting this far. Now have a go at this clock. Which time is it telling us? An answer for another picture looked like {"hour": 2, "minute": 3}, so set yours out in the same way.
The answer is {"hour": 5, "minute": 0}
